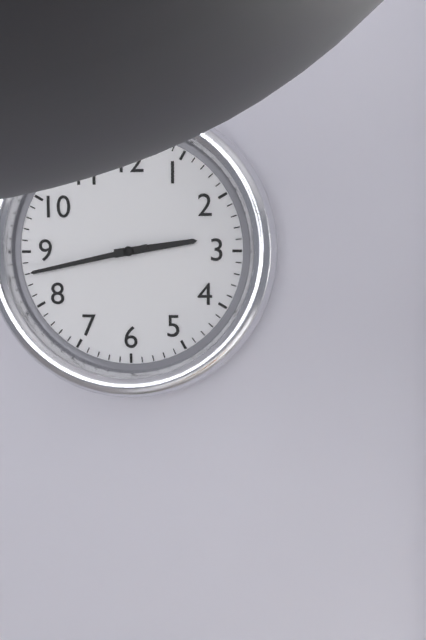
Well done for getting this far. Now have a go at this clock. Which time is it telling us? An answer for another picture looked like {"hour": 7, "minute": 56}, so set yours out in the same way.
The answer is {"hour": 2, "minute": 43}
